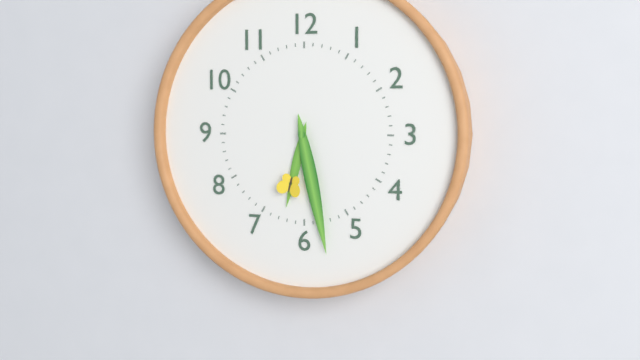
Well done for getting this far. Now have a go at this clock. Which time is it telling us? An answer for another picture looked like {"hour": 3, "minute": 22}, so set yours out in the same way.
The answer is {"hour": 6, "minute": 28}
